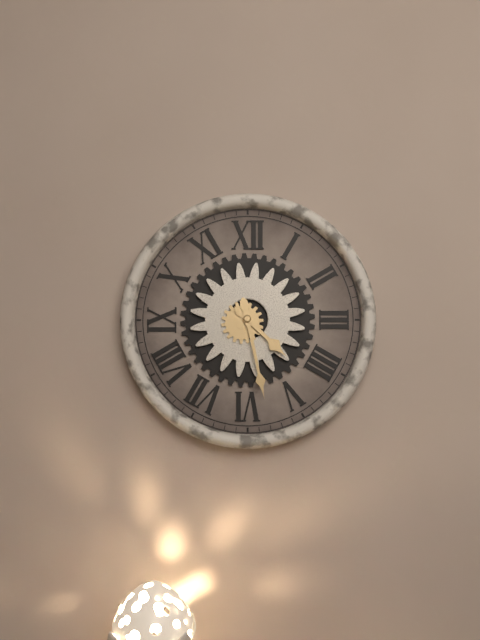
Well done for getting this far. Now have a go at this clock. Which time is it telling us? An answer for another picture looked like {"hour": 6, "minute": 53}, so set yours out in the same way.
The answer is {"hour": 4, "minute": 28}
